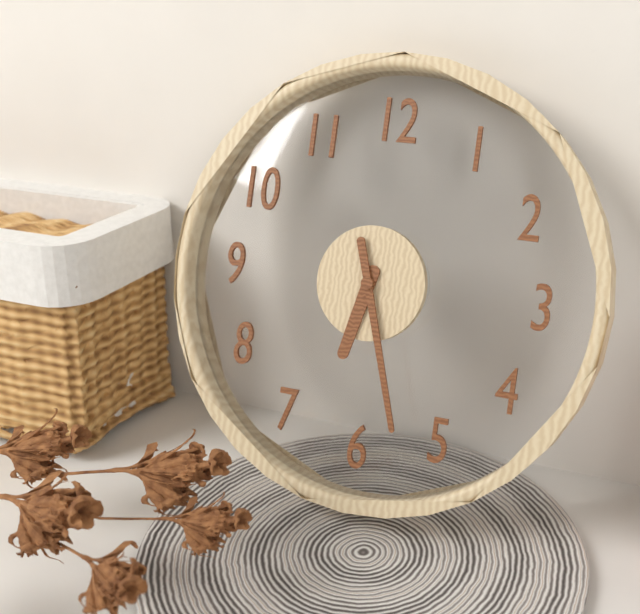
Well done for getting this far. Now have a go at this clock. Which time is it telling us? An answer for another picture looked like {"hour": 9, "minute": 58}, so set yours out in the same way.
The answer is {"hour": 6, "minute": 27}
